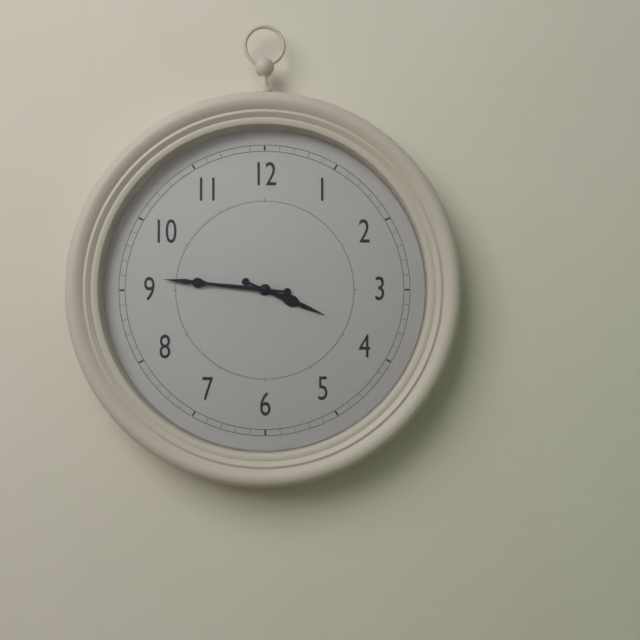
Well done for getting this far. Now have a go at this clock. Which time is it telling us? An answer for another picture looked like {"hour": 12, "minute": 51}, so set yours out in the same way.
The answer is {"hour": 3, "minute": 46}
